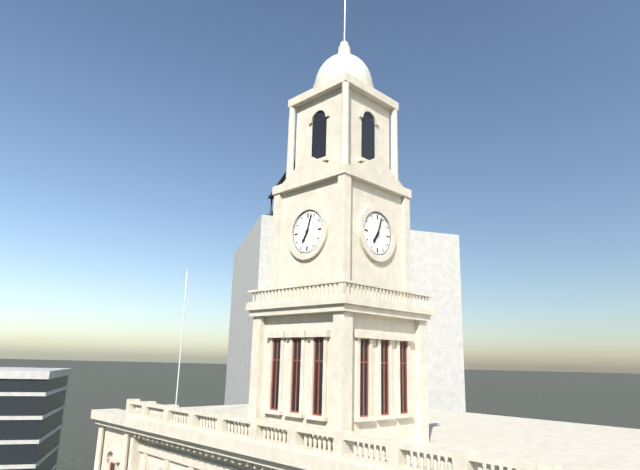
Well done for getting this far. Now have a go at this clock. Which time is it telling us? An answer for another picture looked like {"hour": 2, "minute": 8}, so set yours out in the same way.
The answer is {"hour": 7, "minute": 3}
